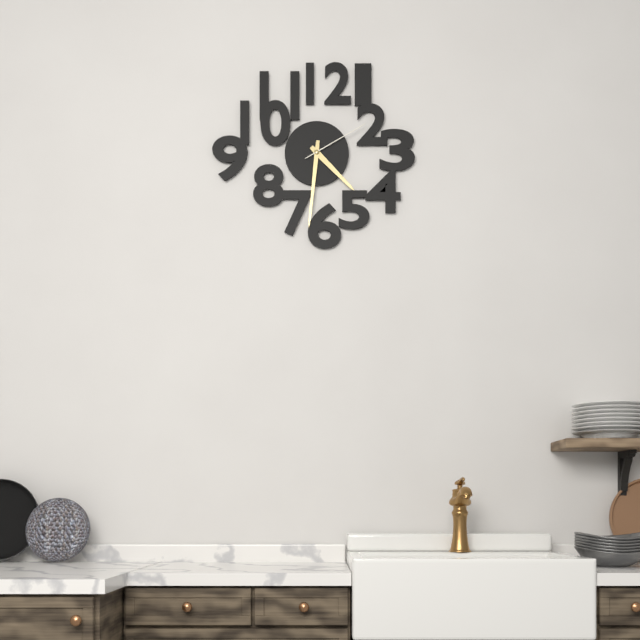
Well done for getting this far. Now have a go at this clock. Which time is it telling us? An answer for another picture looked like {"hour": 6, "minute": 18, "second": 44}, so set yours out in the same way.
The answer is {"hour": 4, "minute": 31, "second": 10}
